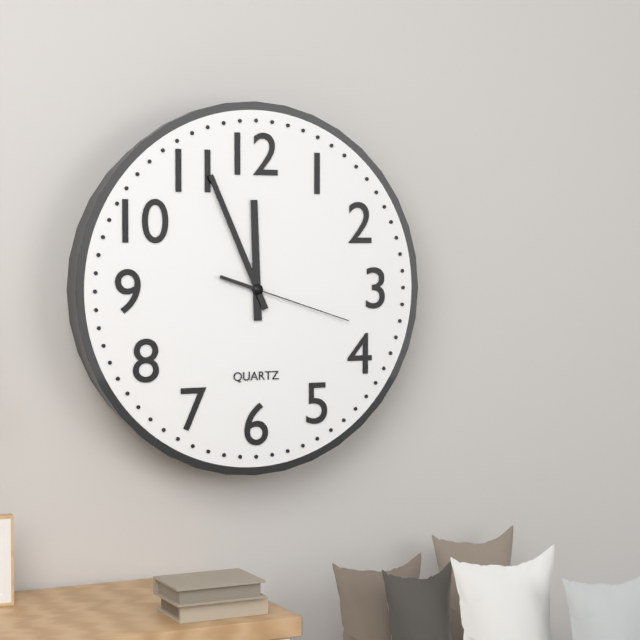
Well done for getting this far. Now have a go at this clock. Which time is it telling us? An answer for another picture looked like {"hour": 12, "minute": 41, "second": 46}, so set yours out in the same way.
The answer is {"hour": 11, "minute": 56, "second": 18}
